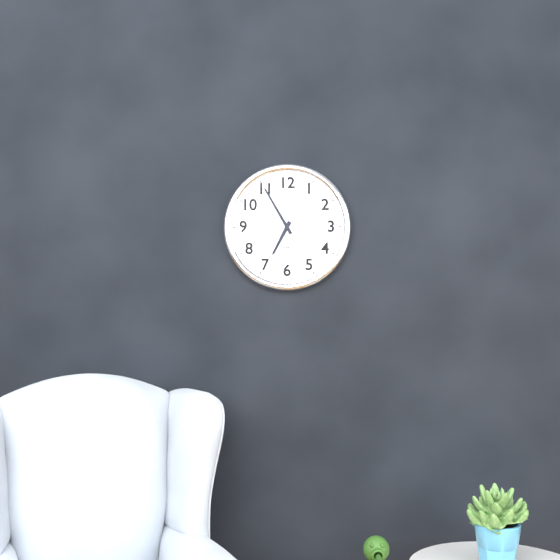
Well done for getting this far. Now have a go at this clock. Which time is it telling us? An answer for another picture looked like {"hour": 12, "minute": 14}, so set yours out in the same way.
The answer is {"hour": 6, "minute": 55}
